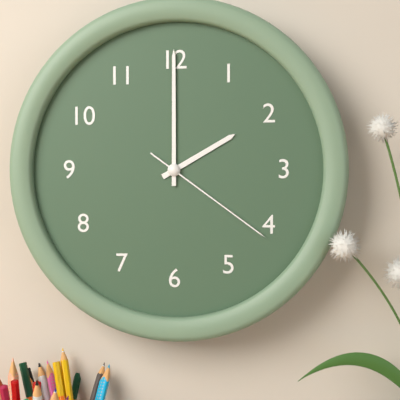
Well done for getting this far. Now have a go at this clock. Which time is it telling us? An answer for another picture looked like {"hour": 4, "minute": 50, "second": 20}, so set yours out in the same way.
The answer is {"hour": 2, "minute": 0, "second": 21}
